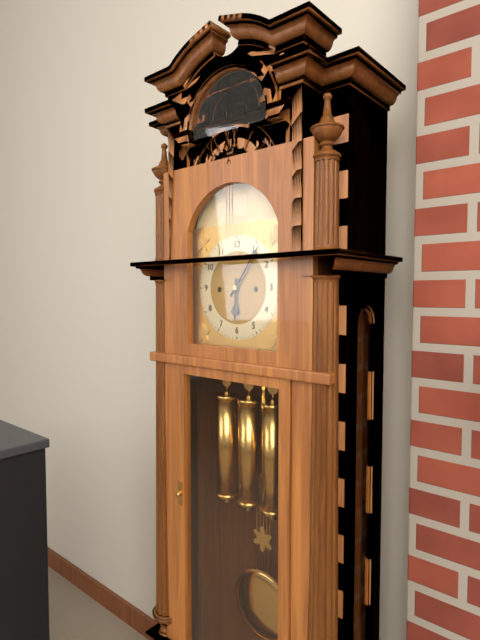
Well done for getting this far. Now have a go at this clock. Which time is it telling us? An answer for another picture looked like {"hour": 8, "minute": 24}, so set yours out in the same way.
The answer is {"hour": 6, "minute": 6}
